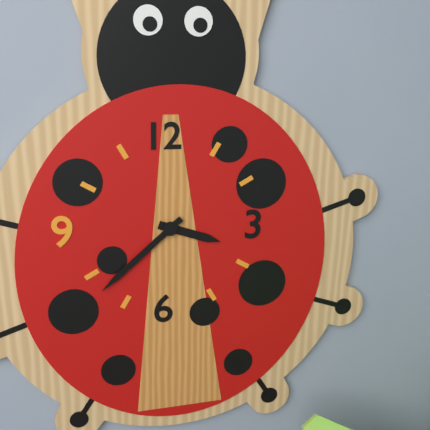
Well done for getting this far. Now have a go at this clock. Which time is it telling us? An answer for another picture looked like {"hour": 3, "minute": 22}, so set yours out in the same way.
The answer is {"hour": 3, "minute": 38}
